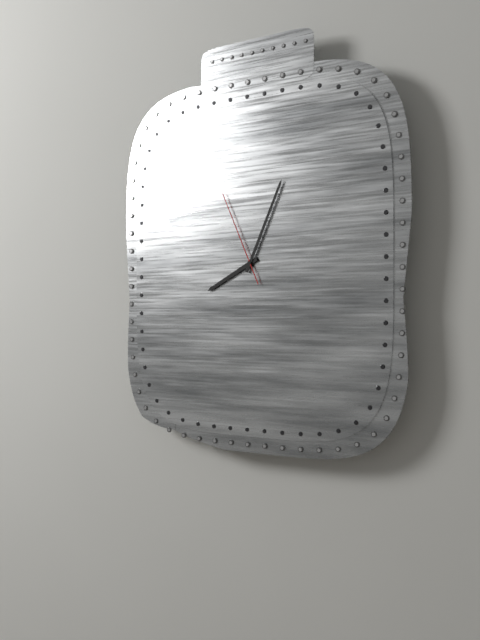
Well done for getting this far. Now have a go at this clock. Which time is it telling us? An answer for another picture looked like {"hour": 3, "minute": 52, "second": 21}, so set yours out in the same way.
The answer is {"hour": 8, "minute": 4, "second": 56}
